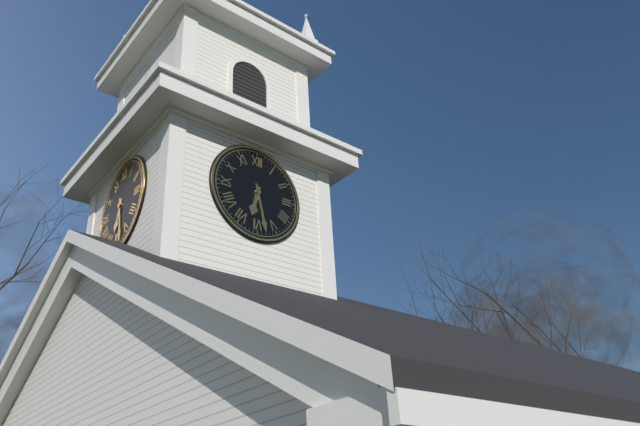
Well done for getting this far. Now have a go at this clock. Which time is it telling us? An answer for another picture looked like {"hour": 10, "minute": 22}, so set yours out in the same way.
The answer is {"hour": 6, "minute": 28}
